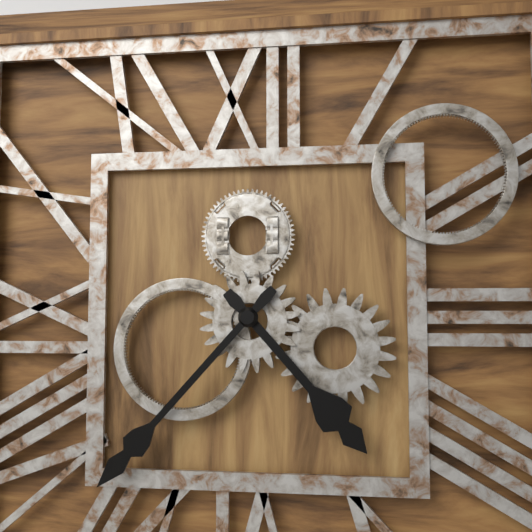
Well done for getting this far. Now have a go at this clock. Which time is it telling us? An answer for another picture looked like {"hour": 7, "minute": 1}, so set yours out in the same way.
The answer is {"hour": 4, "minute": 37}
